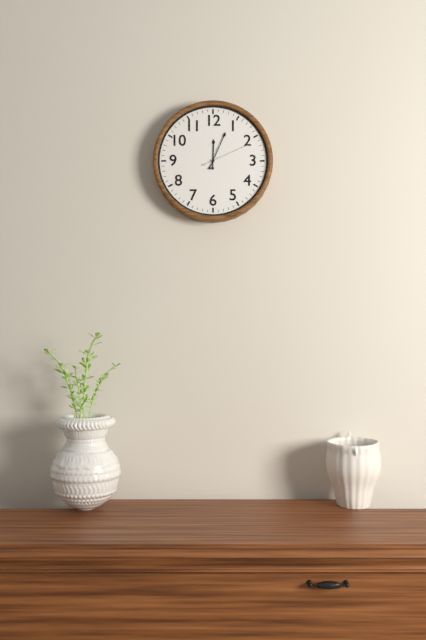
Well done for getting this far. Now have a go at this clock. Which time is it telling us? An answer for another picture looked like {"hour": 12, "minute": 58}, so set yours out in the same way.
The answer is {"hour": 12, "minute": 4}
